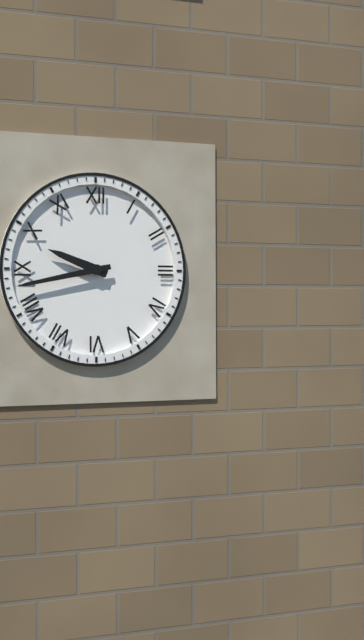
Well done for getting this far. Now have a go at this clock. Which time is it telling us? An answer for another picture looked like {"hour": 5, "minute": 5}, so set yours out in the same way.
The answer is {"hour": 9, "minute": 43}
